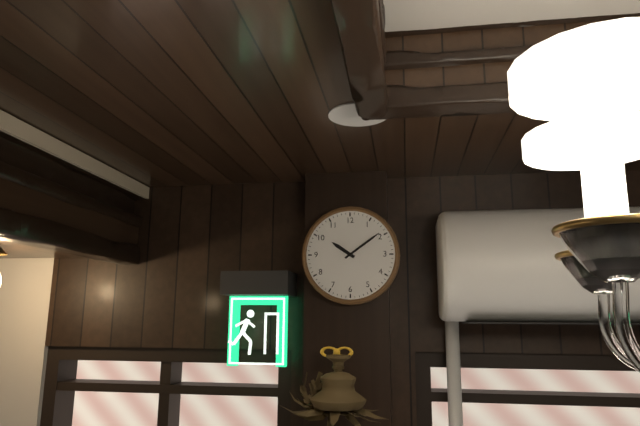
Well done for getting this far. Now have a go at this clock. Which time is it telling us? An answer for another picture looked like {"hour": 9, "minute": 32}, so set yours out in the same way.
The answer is {"hour": 10, "minute": 9}
